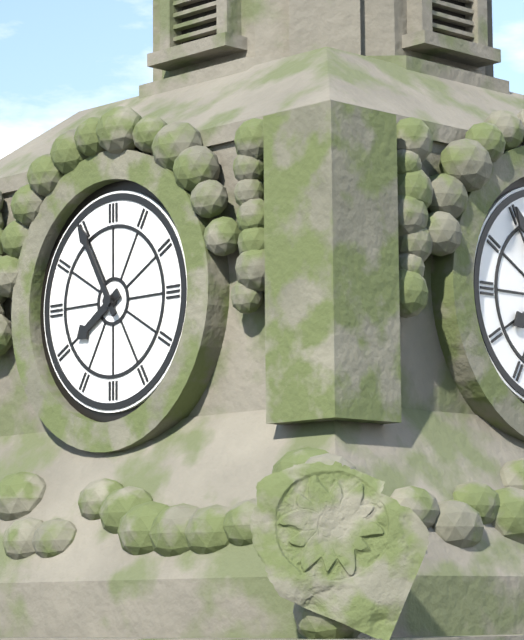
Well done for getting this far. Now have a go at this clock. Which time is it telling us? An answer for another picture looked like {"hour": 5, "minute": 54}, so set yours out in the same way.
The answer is {"hour": 7, "minute": 55}
